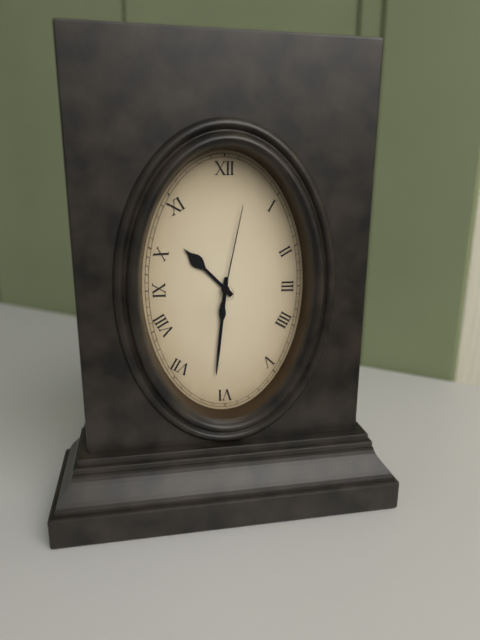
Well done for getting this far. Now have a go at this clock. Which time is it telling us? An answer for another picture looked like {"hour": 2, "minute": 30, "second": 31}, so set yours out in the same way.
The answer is {"hour": 10, "minute": 31, "second": 2}
